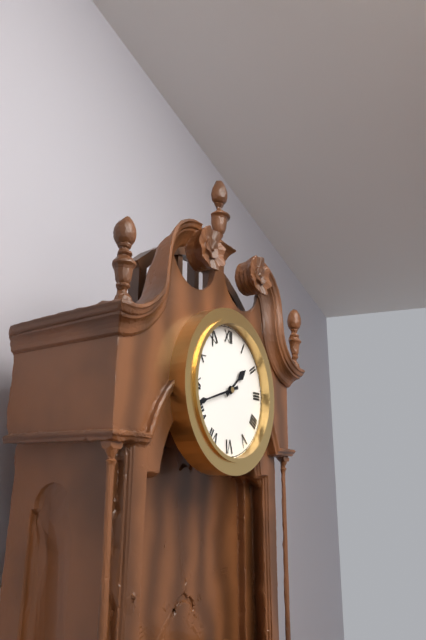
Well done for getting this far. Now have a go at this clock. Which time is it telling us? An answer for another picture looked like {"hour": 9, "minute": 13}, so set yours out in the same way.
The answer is {"hour": 1, "minute": 42}
